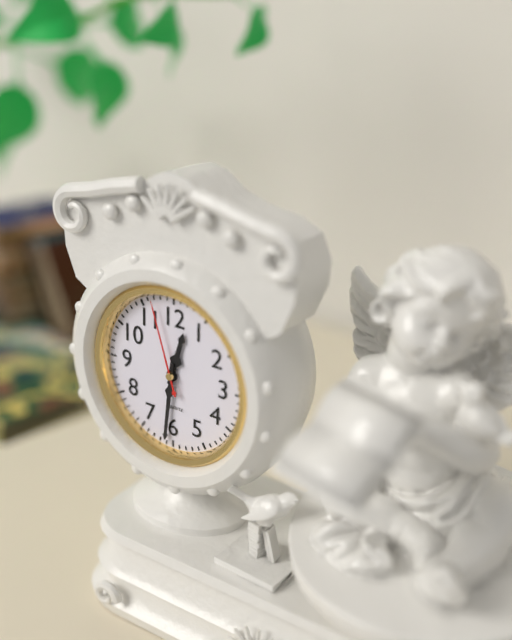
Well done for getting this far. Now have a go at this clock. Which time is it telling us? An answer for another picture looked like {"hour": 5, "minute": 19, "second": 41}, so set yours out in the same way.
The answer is {"hour": 12, "minute": 31, "second": 57}
